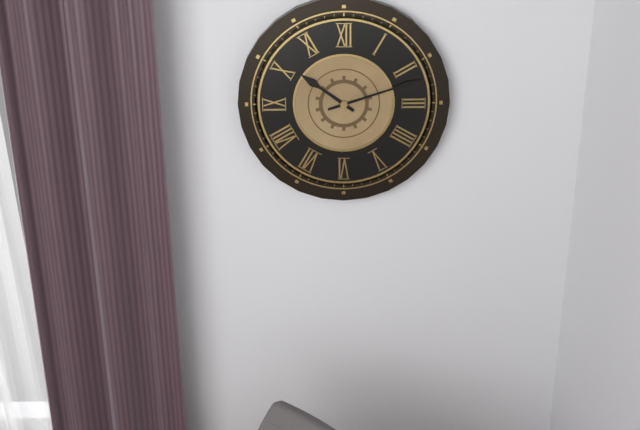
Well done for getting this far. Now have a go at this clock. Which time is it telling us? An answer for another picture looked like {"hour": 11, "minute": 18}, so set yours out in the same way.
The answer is {"hour": 10, "minute": 12}
